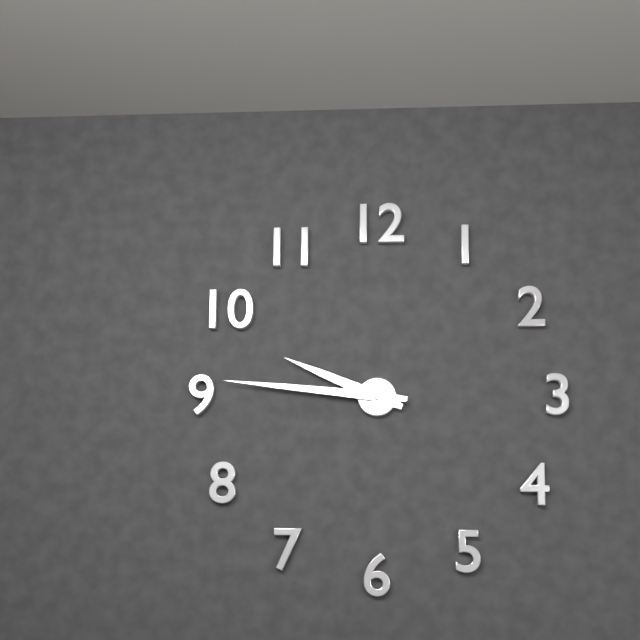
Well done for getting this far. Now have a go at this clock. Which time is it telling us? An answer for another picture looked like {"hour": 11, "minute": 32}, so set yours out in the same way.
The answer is {"hour": 9, "minute": 46}
